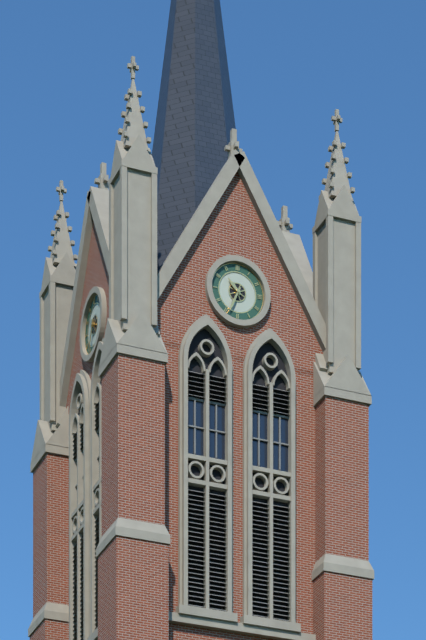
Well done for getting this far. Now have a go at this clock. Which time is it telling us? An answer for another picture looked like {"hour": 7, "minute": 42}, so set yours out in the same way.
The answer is {"hour": 10, "minute": 34}
